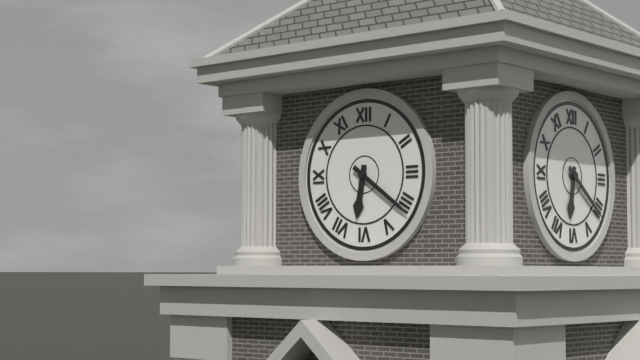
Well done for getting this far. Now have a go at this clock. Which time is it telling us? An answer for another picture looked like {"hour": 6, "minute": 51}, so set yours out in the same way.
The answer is {"hour": 6, "minute": 21}
